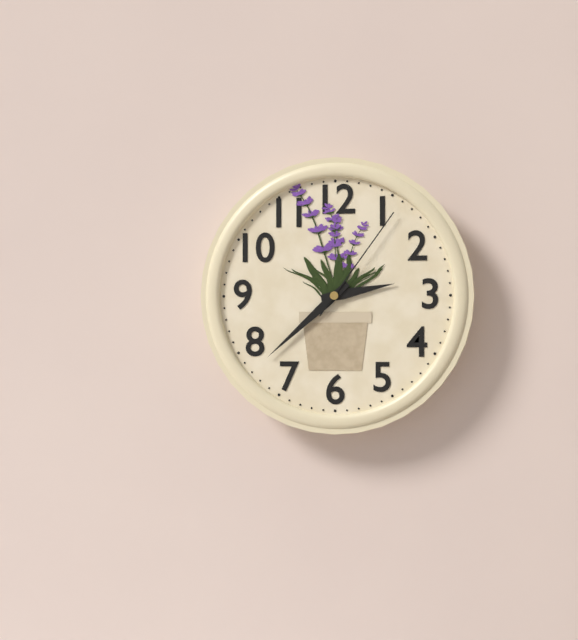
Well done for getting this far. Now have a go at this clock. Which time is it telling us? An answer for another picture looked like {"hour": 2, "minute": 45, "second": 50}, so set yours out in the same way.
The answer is {"hour": 2, "minute": 38, "second": 6}
